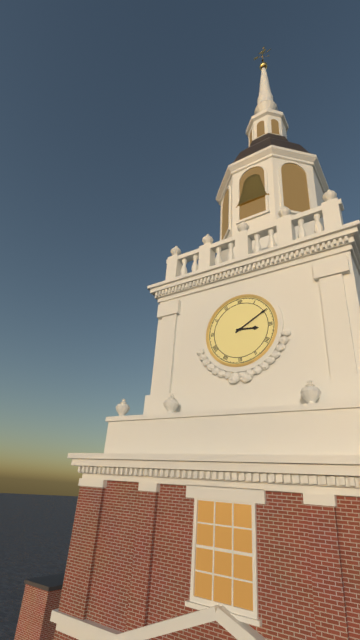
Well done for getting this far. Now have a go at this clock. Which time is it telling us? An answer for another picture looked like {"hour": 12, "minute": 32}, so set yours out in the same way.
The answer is {"hour": 3, "minute": 10}
